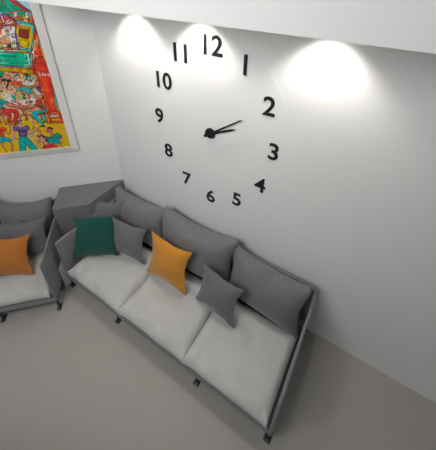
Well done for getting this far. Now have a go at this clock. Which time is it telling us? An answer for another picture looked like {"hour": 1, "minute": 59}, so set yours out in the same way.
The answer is {"hour": 2, "minute": 9}
